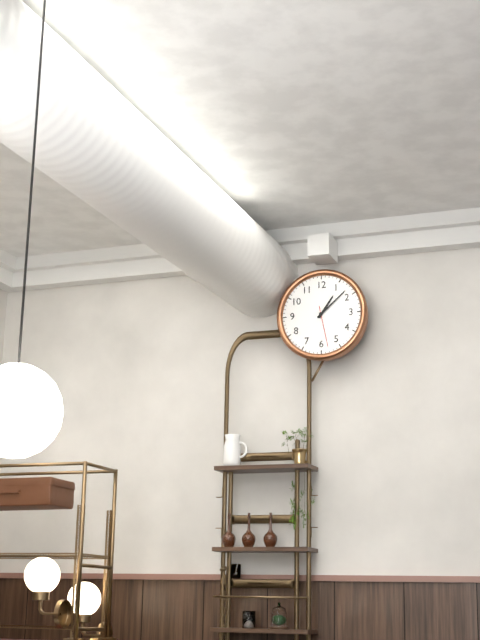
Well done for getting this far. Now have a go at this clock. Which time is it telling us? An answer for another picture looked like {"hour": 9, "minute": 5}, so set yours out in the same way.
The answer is {"hour": 1, "minute": 8}
